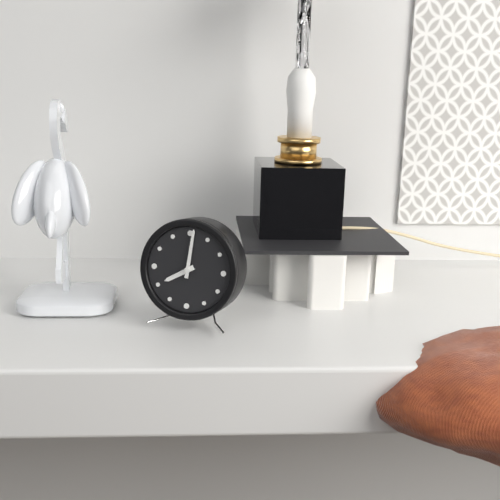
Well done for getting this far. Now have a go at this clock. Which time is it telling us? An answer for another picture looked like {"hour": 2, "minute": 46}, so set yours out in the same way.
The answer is {"hour": 8, "minute": 1}
